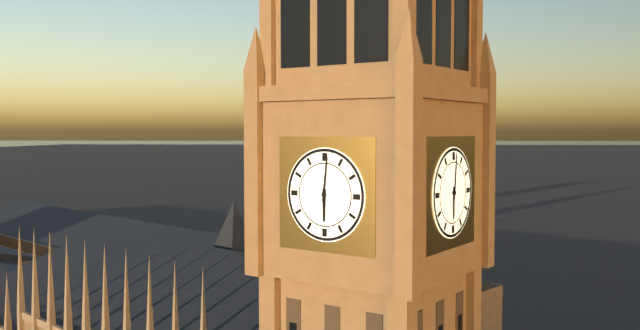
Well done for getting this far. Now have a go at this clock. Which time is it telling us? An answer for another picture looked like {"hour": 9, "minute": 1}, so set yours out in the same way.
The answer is {"hour": 6, "minute": 1}
